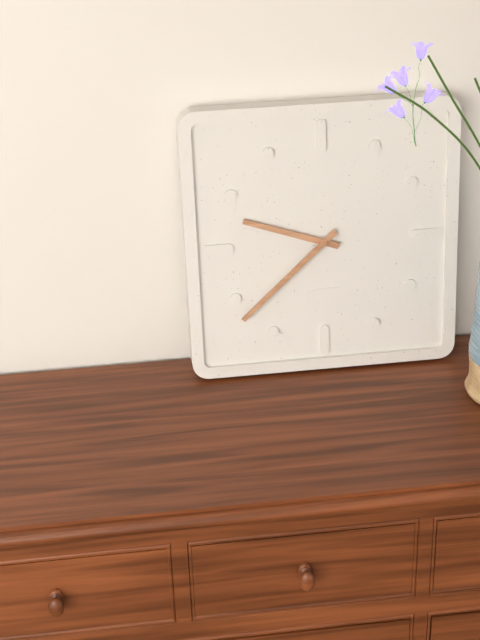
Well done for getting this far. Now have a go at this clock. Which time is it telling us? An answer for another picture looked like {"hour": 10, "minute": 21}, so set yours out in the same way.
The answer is {"hour": 9, "minute": 38}
